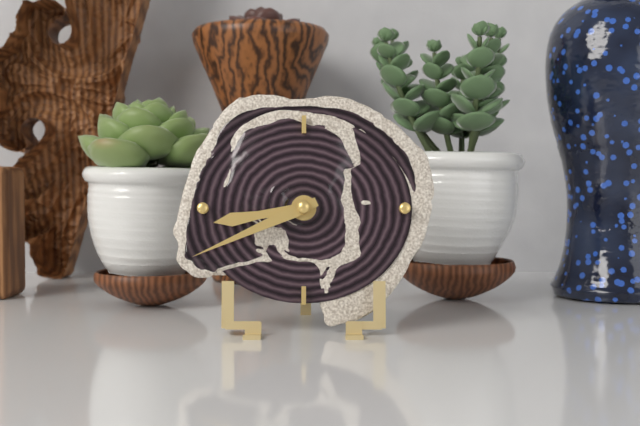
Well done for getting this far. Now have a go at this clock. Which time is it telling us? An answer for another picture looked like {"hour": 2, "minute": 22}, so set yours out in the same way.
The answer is {"hour": 8, "minute": 41}
